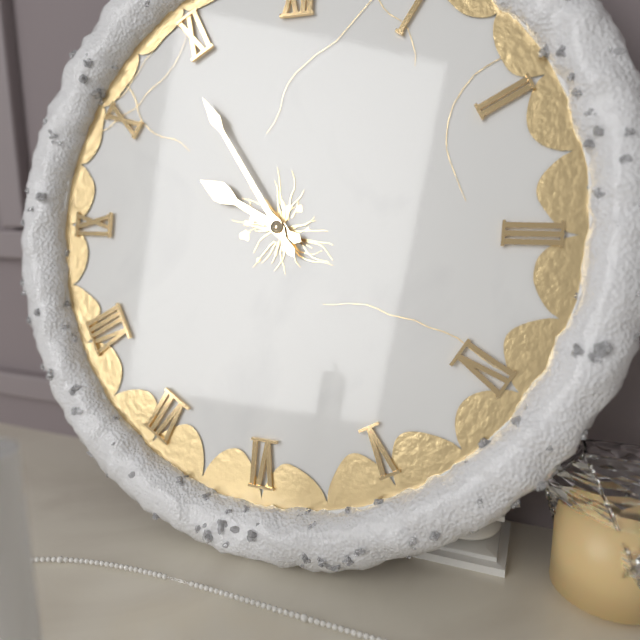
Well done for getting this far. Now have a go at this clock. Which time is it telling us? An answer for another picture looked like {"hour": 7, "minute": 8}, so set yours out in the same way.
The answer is {"hour": 9, "minute": 54}
